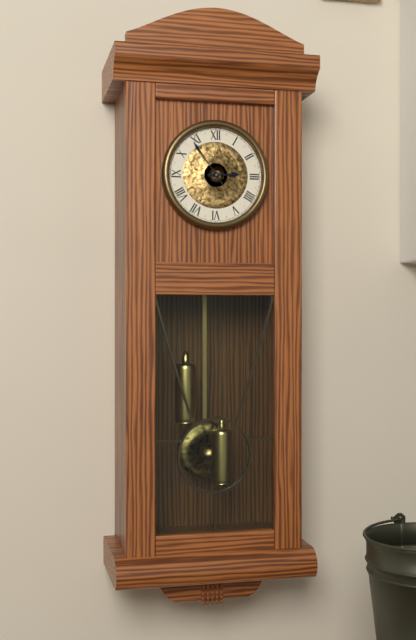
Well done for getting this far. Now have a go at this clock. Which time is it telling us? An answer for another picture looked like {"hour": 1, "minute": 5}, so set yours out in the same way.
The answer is {"hour": 2, "minute": 54}
